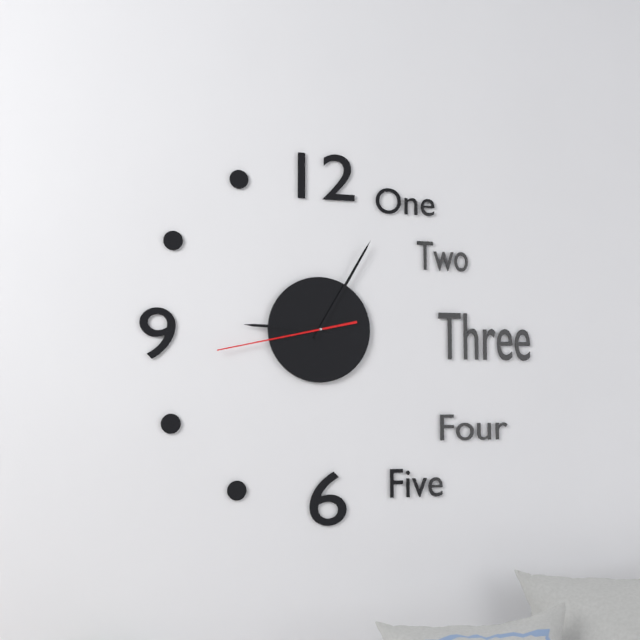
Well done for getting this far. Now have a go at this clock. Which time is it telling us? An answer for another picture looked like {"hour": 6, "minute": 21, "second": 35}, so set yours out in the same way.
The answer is {"hour": 9, "minute": 5, "second": 43}
